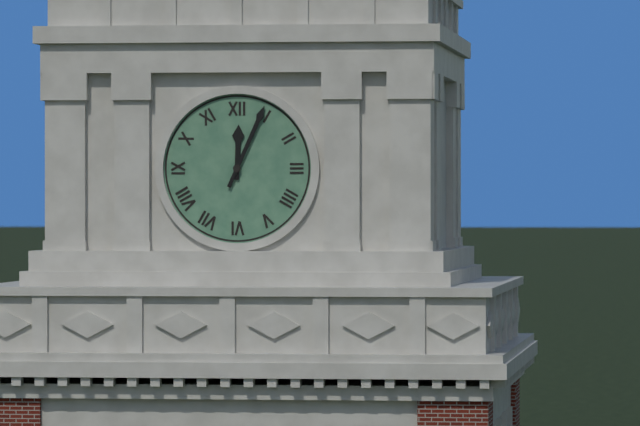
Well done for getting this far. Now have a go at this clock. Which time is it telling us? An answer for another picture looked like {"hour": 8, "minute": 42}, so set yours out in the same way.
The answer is {"hour": 12, "minute": 4}
